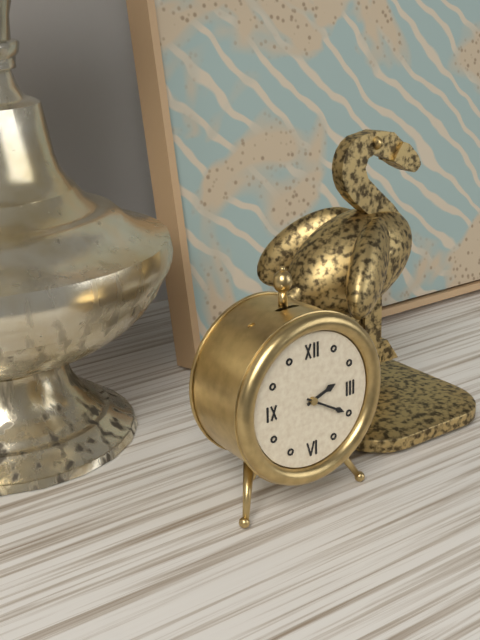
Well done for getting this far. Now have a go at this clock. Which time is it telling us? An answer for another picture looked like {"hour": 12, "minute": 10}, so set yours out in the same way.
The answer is {"hour": 2, "minute": 20}
